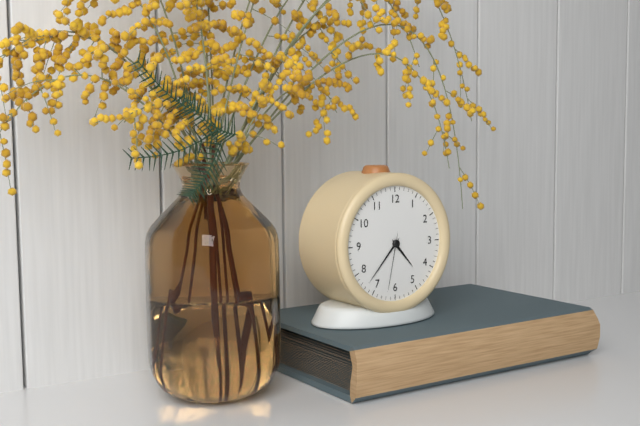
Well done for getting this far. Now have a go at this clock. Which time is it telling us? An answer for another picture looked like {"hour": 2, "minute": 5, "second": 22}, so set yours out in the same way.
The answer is {"hour": 4, "minute": 37, "second": 32}
